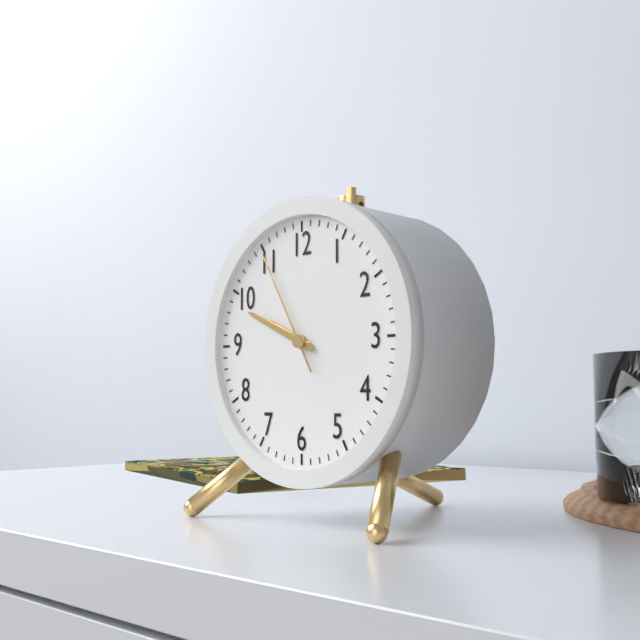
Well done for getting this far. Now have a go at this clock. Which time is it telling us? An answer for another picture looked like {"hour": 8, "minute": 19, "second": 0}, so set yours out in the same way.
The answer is {"hour": 9, "minute": 49, "second": 55}
